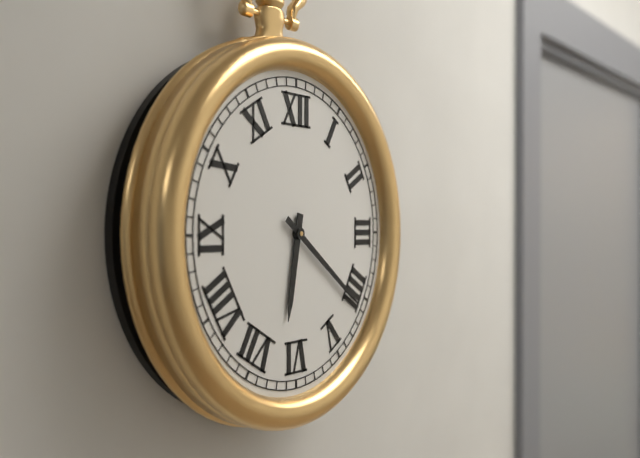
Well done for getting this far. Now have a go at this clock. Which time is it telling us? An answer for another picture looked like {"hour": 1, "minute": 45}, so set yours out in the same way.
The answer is {"hour": 6, "minute": 21}
